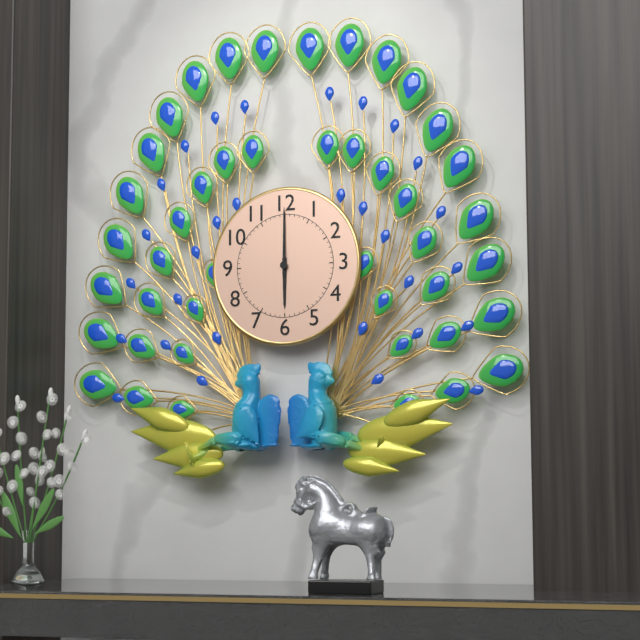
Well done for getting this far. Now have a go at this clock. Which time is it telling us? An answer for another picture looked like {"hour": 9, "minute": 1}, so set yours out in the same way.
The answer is {"hour": 6, "minute": 0}
